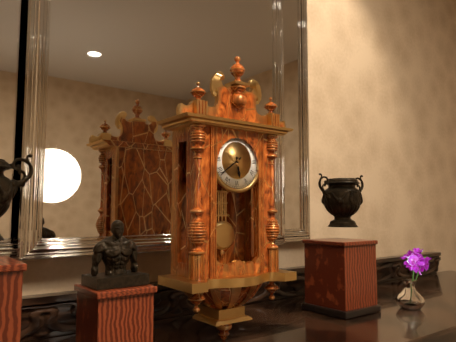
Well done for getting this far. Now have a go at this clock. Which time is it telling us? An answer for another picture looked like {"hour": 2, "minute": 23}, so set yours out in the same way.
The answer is {"hour": 5, "minute": 39}
